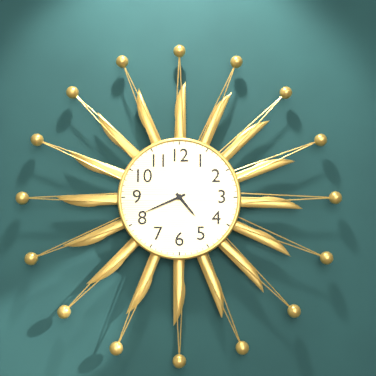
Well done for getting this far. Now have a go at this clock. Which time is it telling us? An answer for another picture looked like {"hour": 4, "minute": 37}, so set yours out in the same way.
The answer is {"hour": 4, "minute": 41}
